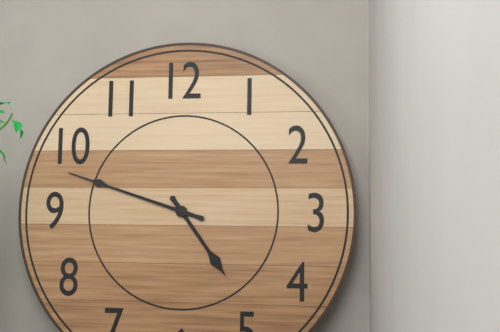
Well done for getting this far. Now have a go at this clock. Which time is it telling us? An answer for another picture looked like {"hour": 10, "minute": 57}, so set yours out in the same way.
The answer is {"hour": 4, "minute": 48}
